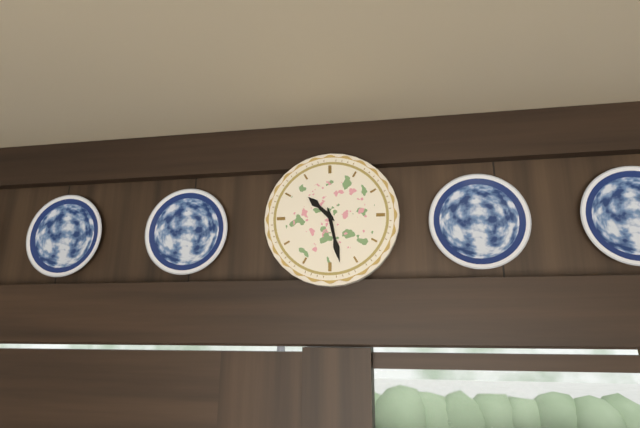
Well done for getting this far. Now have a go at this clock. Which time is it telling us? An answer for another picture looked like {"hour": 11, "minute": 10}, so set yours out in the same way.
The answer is {"hour": 10, "minute": 28}
